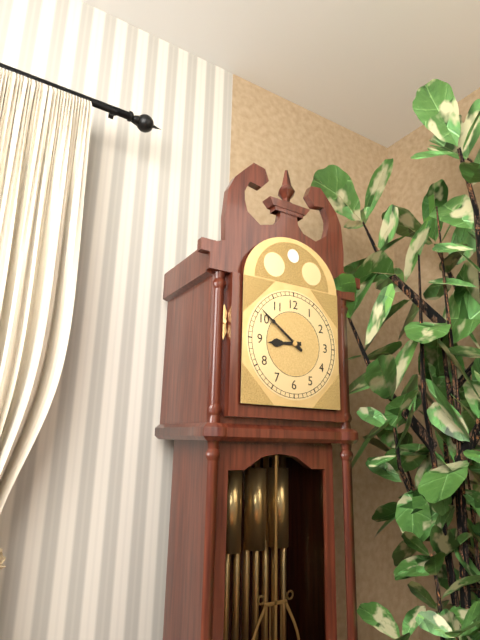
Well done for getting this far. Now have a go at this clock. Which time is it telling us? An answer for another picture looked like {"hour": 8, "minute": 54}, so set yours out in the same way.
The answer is {"hour": 8, "minute": 51}
